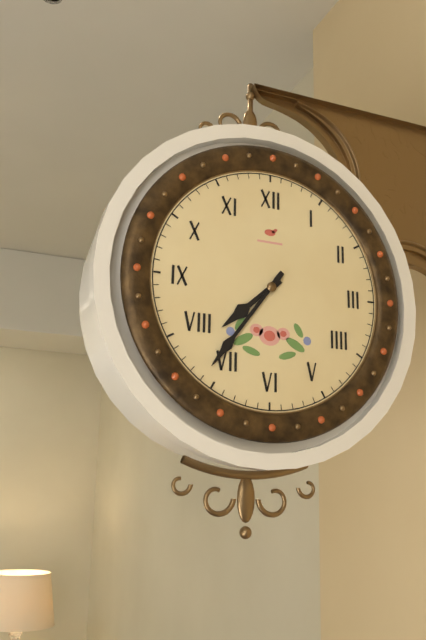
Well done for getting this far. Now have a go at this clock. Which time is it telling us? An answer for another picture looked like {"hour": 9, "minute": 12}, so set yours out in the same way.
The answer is {"hour": 7, "minute": 36}
